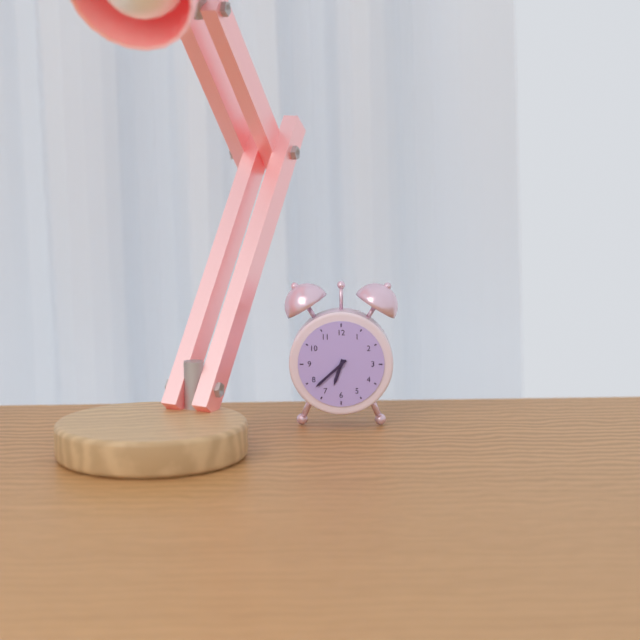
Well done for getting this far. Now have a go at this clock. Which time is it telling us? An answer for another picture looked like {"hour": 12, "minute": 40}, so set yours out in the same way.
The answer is {"hour": 6, "minute": 38}
